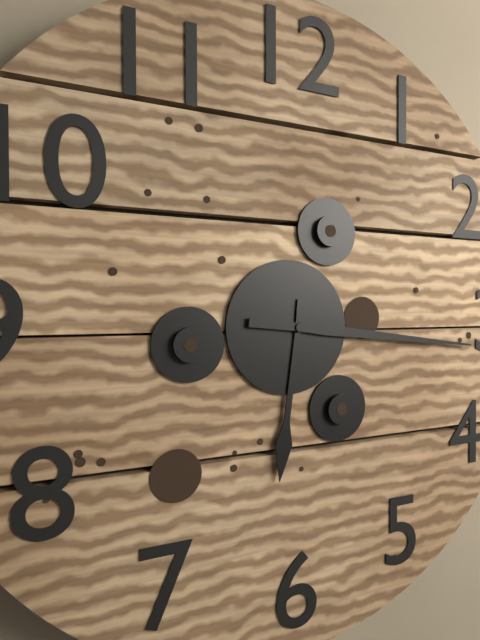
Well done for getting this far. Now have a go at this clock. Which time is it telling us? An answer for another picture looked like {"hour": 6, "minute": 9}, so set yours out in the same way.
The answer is {"hour": 6, "minute": 16}
